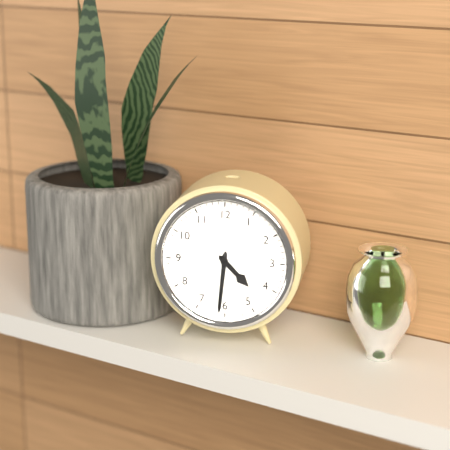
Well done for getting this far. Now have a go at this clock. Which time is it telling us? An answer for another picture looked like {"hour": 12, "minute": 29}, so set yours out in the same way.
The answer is {"hour": 4, "minute": 31}
